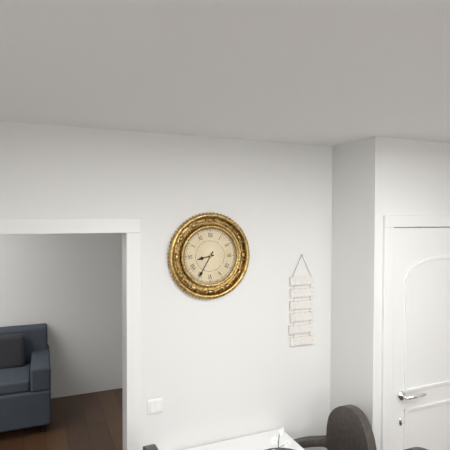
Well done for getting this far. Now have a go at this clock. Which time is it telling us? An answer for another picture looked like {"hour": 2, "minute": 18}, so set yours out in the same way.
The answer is {"hour": 8, "minute": 35}
